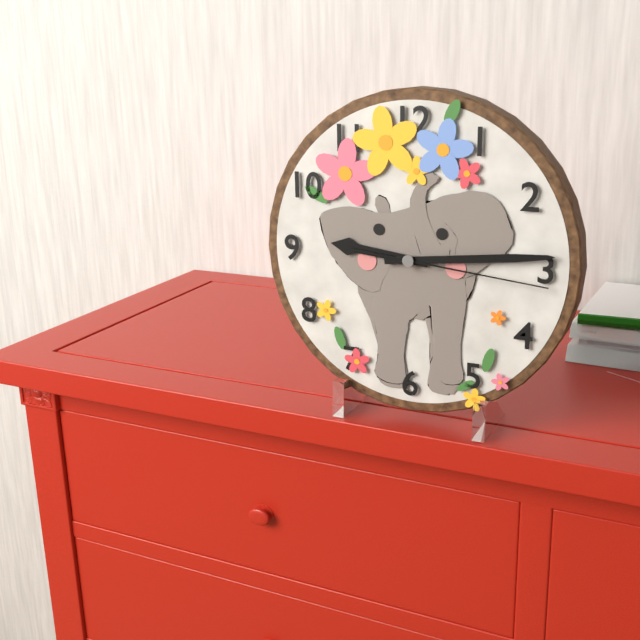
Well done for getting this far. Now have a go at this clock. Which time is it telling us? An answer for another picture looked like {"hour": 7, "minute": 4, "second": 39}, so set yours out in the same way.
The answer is {"hour": 9, "minute": 14, "second": 16}
